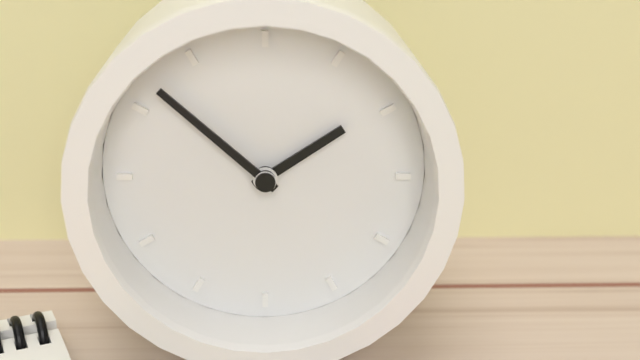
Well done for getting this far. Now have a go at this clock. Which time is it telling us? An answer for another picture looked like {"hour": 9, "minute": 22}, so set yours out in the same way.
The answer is {"hour": 1, "minute": 52}
